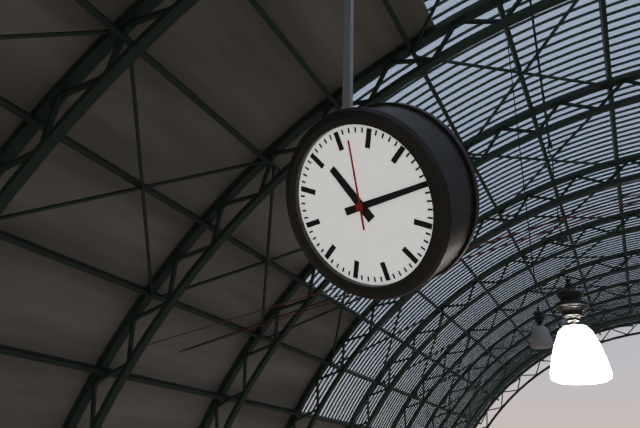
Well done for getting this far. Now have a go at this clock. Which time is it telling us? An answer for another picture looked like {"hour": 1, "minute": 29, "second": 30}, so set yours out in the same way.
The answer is {"hour": 11, "minute": 15, "second": 2}
